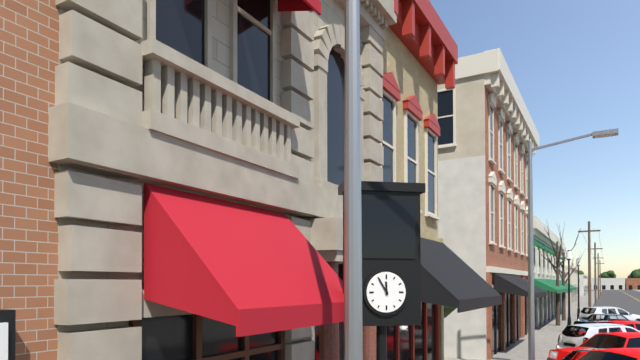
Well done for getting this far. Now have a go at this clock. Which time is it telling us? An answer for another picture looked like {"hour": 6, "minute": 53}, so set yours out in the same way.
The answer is {"hour": 11, "minute": 55}
